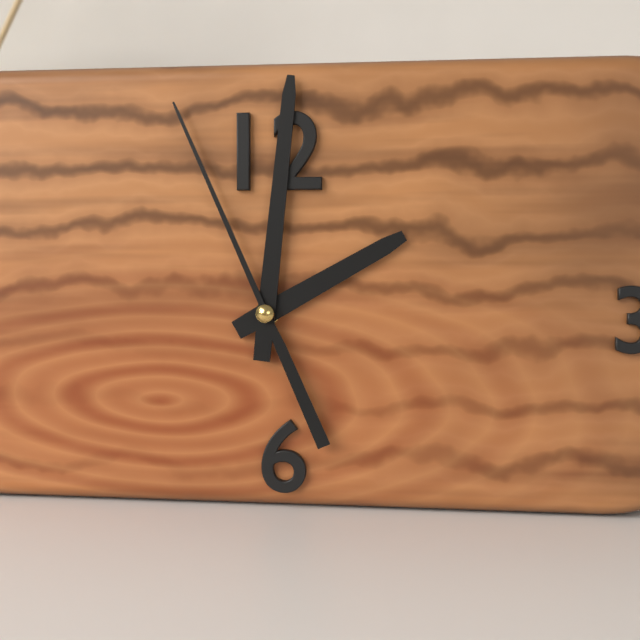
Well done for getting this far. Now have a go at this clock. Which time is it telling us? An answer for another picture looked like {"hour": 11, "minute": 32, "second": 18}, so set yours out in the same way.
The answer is {"hour": 2, "minute": 1, "second": 56}
